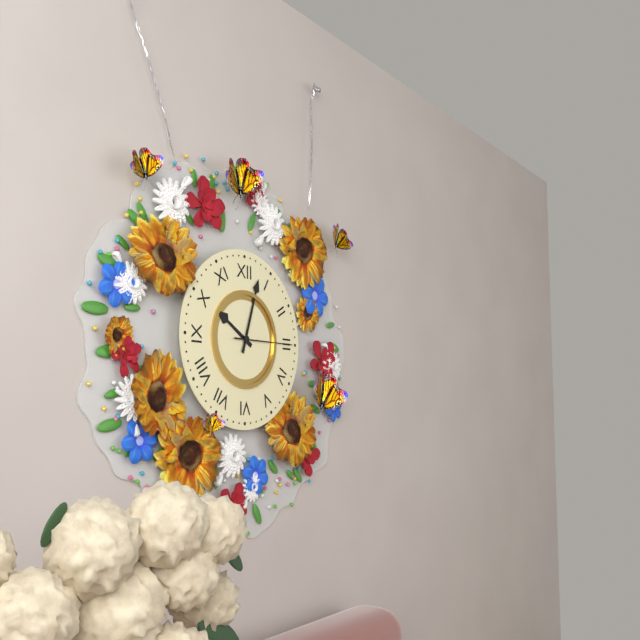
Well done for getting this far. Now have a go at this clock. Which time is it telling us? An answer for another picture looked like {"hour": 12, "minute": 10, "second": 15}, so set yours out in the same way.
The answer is {"hour": 10, "minute": 3, "second": 15}
